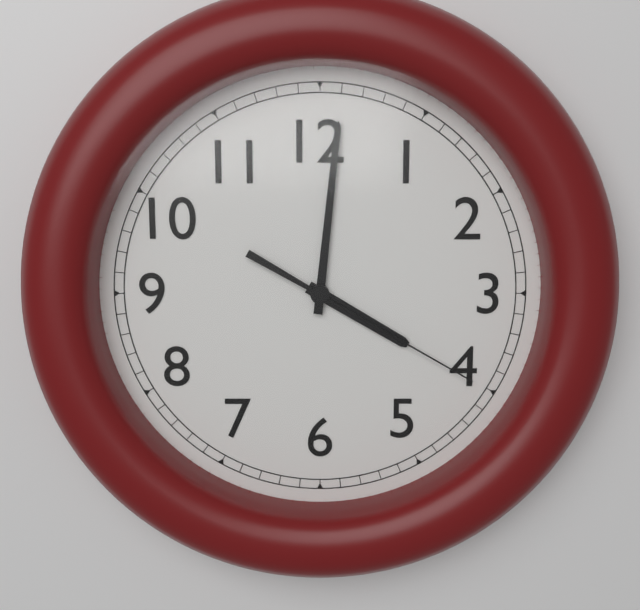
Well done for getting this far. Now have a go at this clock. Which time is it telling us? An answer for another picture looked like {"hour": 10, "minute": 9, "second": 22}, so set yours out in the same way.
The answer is {"hour": 4, "minute": 1, "second": 20}
